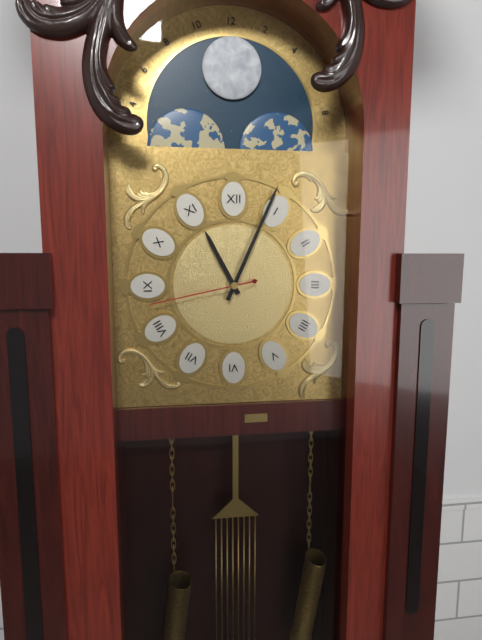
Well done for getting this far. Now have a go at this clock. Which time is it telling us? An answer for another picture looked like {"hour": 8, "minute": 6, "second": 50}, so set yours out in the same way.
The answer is {"hour": 11, "minute": 4, "second": 43}
